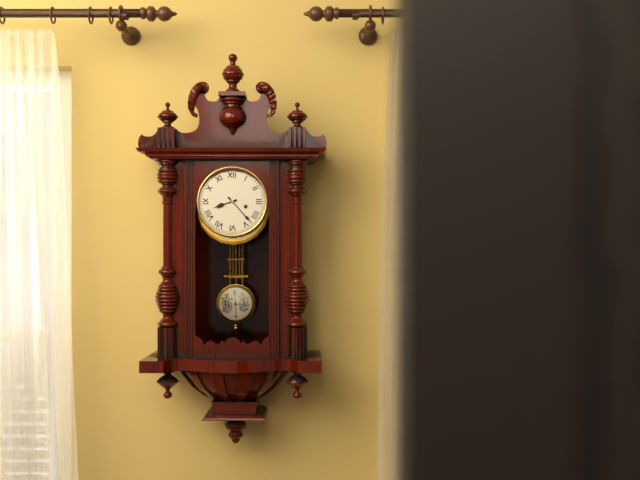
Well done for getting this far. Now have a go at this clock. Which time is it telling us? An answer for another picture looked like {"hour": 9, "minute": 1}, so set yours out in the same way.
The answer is {"hour": 8, "minute": 23}
